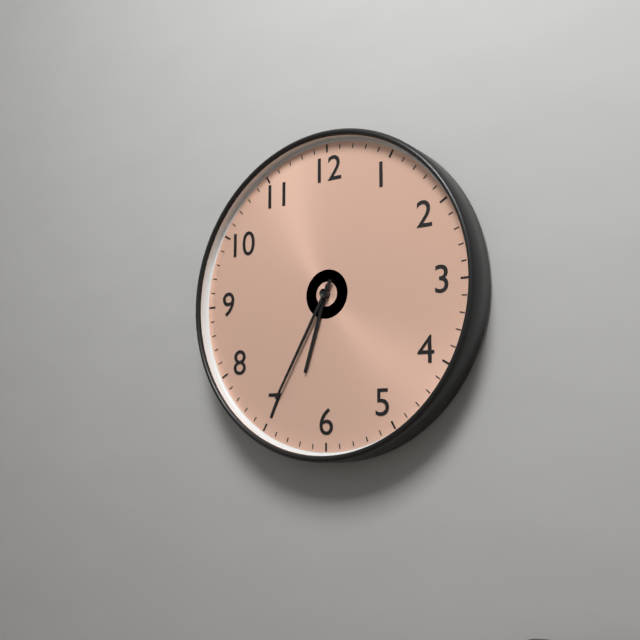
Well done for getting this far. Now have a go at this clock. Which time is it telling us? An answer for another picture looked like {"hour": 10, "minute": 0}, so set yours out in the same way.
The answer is {"hour": 6, "minute": 35}
